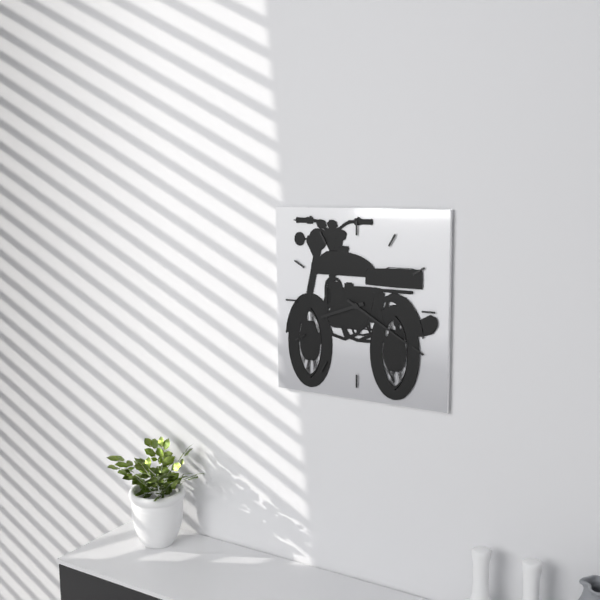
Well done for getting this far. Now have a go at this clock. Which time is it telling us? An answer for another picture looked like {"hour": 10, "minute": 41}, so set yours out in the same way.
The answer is {"hour": 8, "minute": 20}
